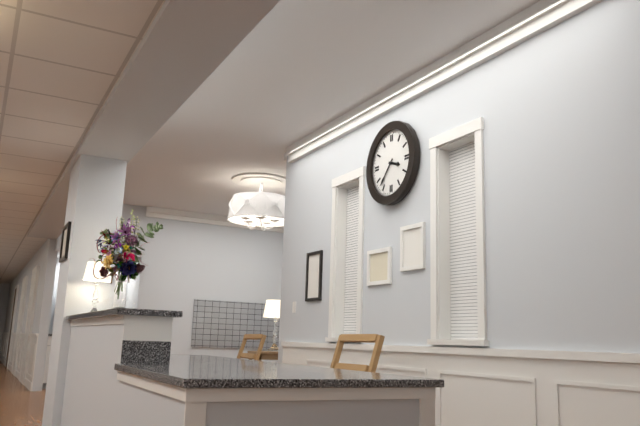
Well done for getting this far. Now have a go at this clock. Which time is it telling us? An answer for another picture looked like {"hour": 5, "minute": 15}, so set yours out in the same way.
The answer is {"hour": 3, "minute": 37}
